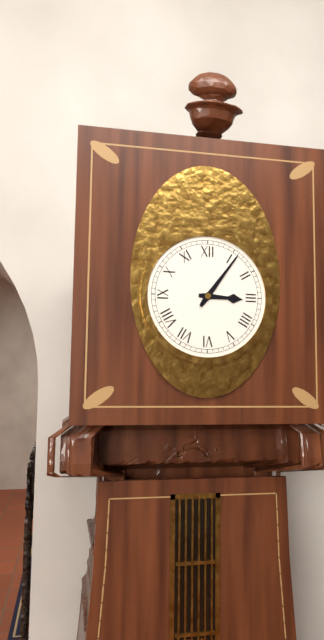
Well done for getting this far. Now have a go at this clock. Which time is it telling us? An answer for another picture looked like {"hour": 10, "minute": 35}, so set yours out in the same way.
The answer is {"hour": 3, "minute": 6}
